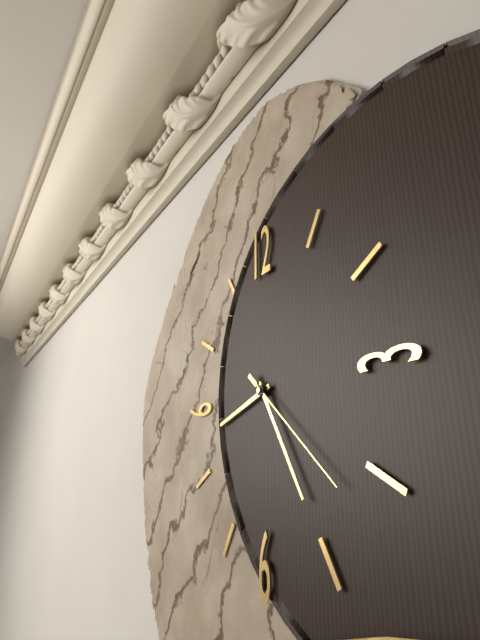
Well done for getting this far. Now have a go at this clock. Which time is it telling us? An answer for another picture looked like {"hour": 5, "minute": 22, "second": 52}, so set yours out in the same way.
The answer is {"hour": 8, "minute": 25, "second": 22}
